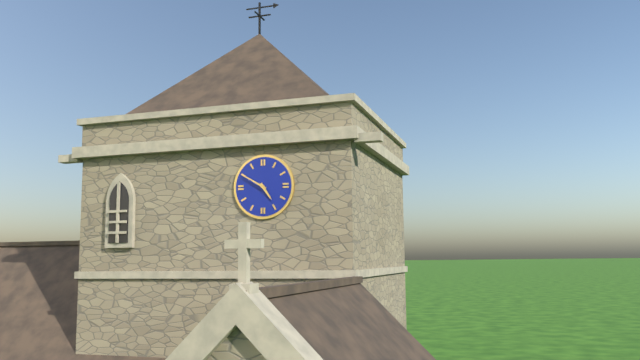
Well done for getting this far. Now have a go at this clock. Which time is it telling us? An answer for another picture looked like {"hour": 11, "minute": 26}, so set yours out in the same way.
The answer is {"hour": 4, "minute": 50}
